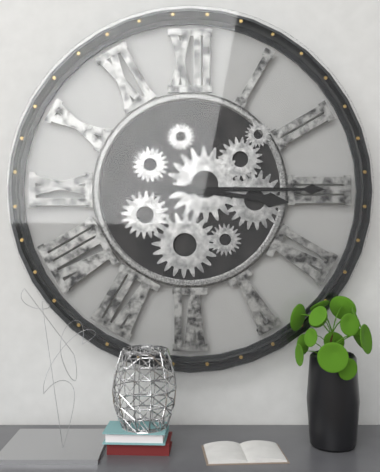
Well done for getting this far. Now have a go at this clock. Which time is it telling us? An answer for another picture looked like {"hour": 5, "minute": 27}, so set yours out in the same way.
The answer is {"hour": 3, "minute": 15}
